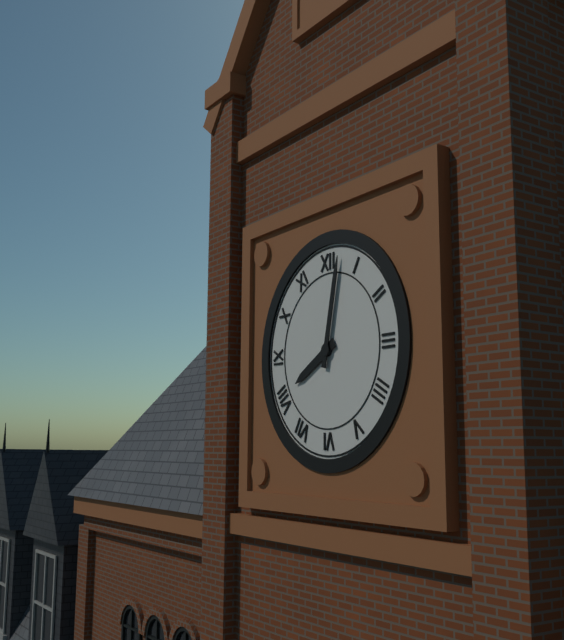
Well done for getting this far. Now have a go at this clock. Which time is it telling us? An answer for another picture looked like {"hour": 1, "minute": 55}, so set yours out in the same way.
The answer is {"hour": 8, "minute": 2}
